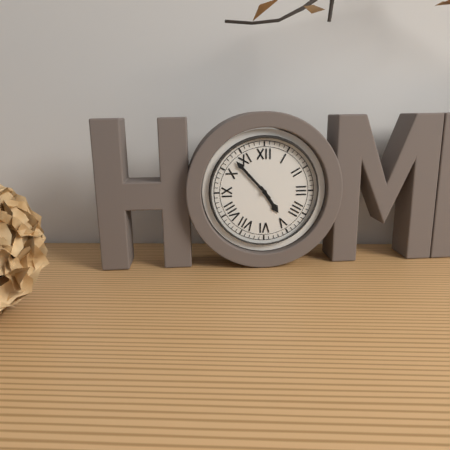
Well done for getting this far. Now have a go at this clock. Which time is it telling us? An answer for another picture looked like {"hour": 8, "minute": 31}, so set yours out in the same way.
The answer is {"hour": 4, "minute": 53}
